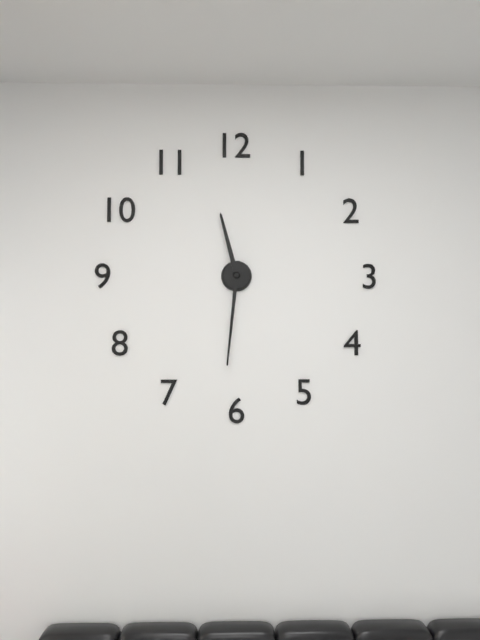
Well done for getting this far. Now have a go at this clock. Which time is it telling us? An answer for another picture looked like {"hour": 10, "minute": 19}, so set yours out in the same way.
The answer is {"hour": 11, "minute": 31}
